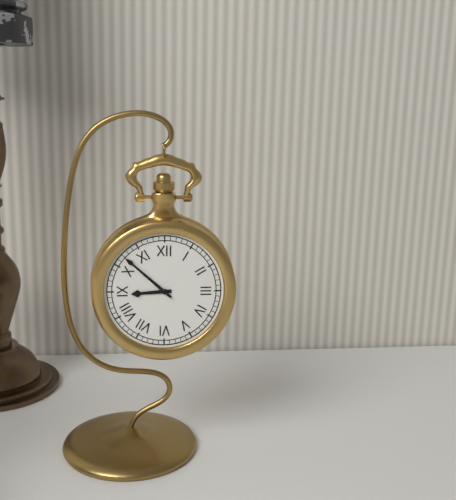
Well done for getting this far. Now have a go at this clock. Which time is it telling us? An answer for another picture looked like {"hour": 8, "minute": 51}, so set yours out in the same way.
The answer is {"hour": 8, "minute": 52}
